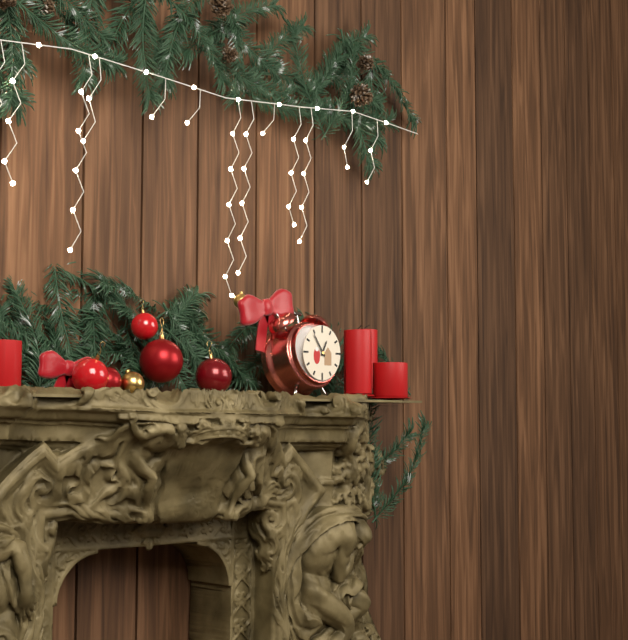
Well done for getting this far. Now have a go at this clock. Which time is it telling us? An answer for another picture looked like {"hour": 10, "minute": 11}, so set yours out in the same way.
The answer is {"hour": 12, "minute": 54}
